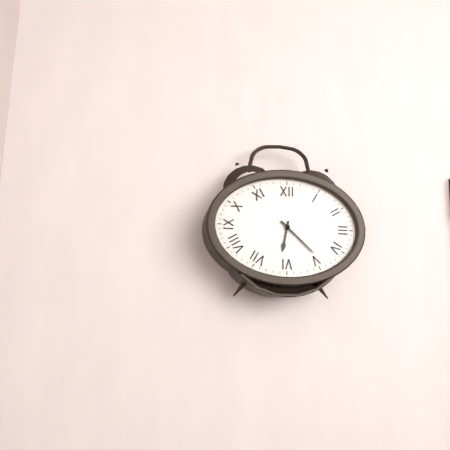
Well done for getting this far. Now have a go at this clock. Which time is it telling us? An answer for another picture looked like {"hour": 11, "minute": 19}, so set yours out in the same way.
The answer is {"hour": 6, "minute": 22}
